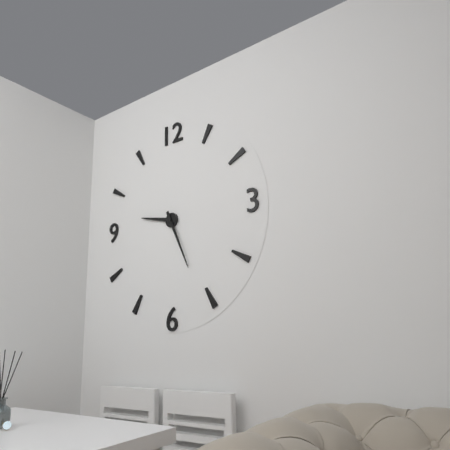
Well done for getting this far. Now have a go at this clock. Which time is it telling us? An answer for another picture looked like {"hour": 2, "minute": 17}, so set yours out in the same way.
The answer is {"hour": 9, "minute": 26}
